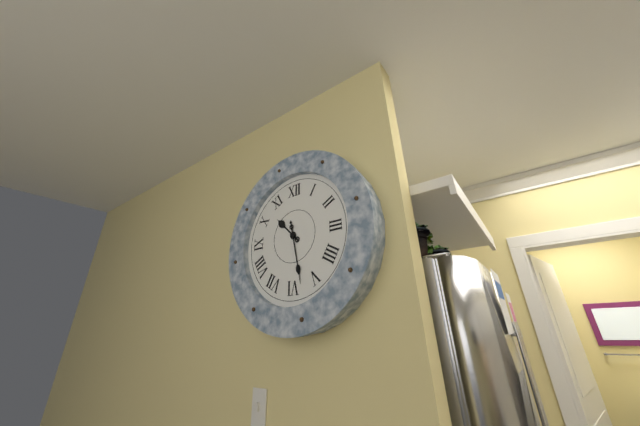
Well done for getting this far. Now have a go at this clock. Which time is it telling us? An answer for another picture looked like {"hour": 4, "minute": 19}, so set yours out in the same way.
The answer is {"hour": 10, "minute": 28}
